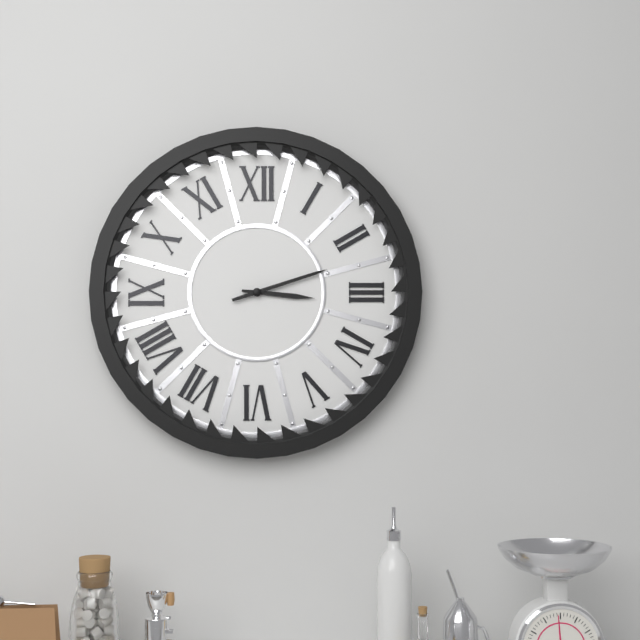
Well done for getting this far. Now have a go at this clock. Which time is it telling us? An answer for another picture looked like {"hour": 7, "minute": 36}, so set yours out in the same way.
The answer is {"hour": 3, "minute": 12}
